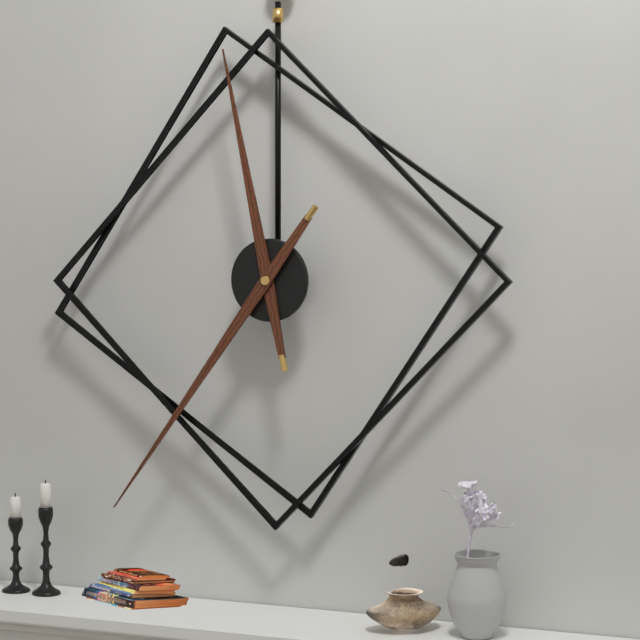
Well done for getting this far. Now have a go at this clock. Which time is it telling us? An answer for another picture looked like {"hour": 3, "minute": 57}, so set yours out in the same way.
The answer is {"hour": 11, "minute": 36}
